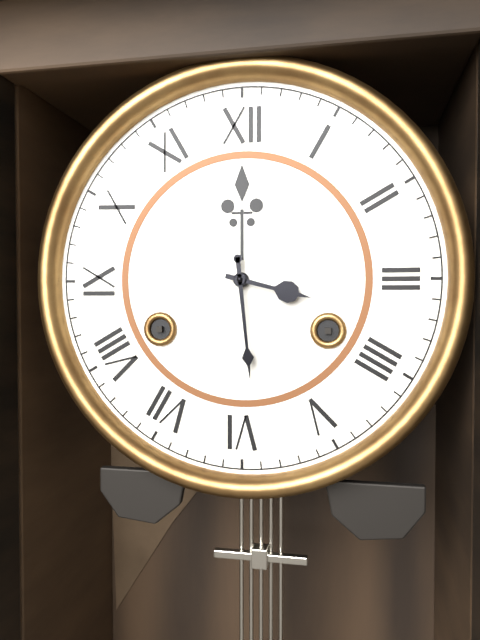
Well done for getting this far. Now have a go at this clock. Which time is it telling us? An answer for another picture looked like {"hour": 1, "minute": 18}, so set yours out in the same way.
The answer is {"hour": 3, "minute": 29}
